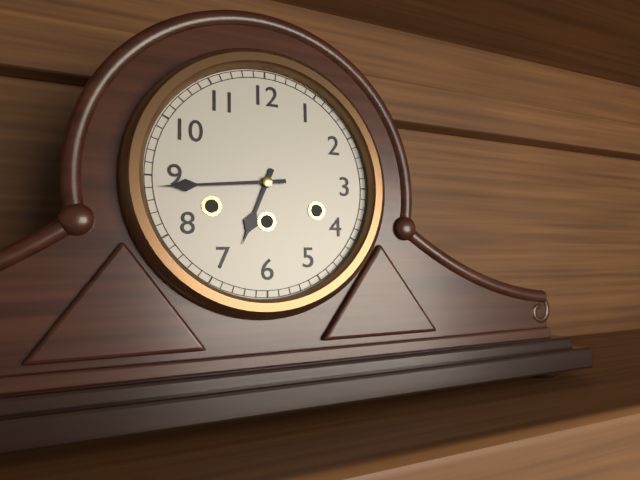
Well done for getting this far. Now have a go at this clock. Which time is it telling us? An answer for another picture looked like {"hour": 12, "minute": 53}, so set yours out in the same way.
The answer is {"hour": 6, "minute": 44}
